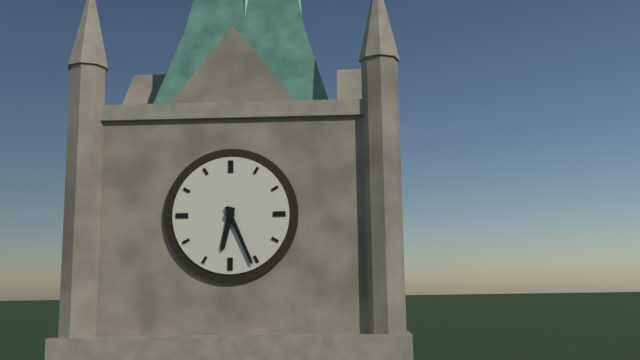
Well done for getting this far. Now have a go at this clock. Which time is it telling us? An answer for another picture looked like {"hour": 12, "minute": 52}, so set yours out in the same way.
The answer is {"hour": 6, "minute": 26}
